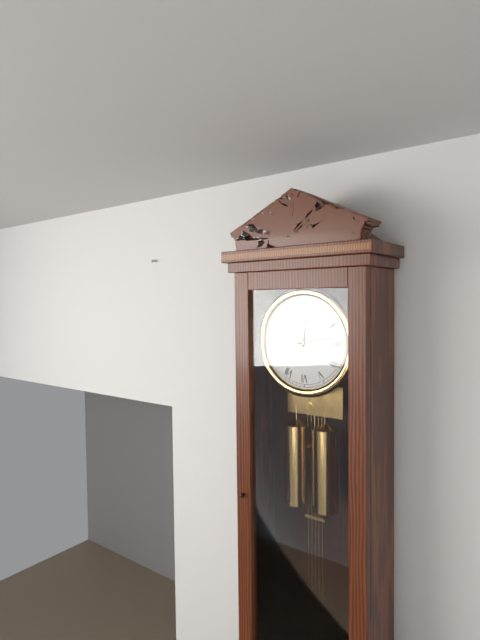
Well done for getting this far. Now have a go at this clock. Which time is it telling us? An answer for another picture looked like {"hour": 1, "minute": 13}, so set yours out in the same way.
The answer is {"hour": 12, "minute": 13}
